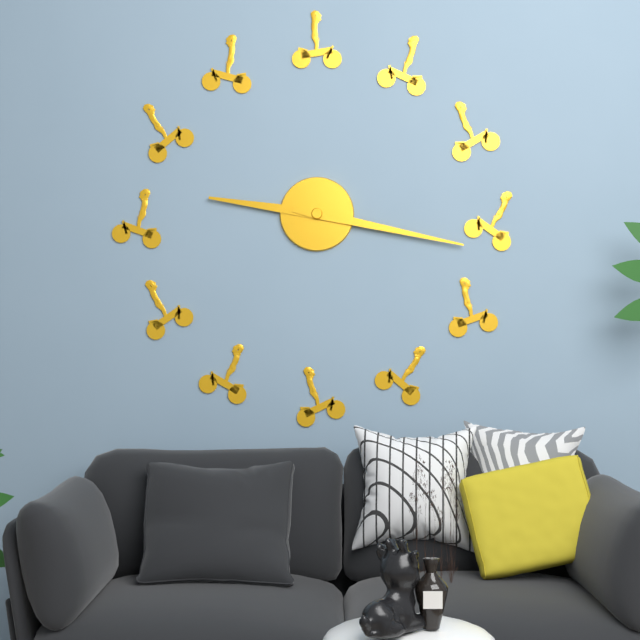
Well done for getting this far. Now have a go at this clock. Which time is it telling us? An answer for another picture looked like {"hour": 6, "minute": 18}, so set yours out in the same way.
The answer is {"hour": 9, "minute": 17}
